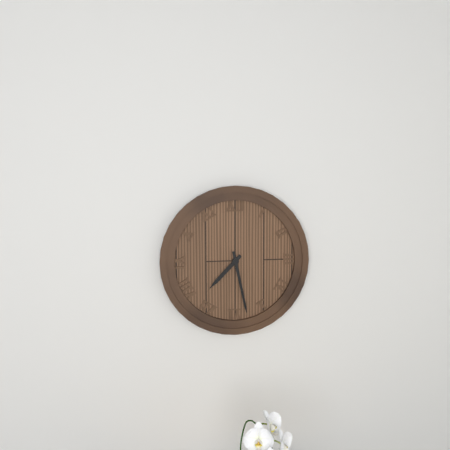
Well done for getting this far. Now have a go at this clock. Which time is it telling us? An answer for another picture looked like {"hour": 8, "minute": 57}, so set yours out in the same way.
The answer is {"hour": 7, "minute": 28}
